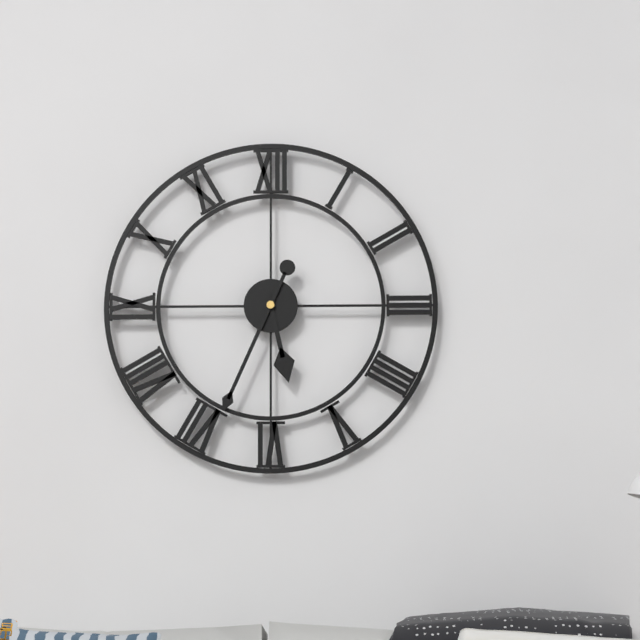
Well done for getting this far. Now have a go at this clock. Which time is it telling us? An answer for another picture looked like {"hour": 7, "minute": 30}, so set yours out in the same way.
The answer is {"hour": 5, "minute": 34}
